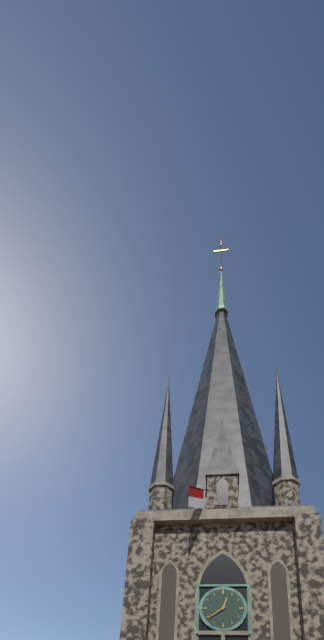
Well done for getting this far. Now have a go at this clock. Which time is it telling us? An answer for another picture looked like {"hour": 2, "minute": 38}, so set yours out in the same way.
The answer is {"hour": 12, "minute": 39}
